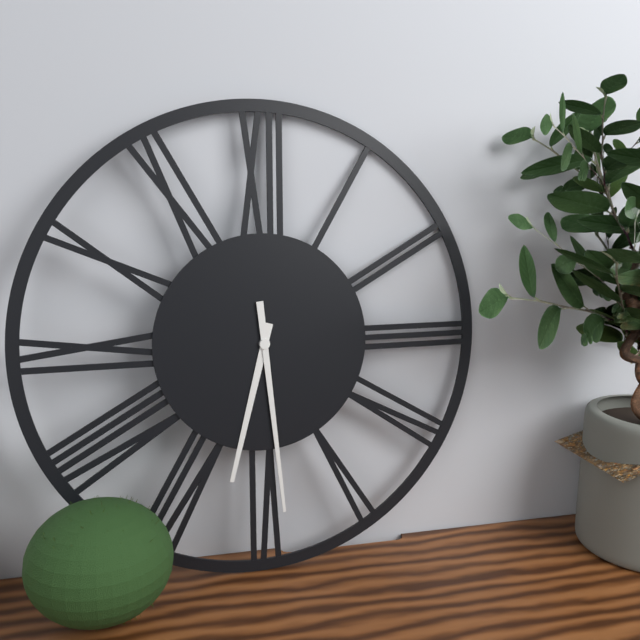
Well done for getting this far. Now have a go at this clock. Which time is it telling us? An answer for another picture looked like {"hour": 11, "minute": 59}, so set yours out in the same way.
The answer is {"hour": 6, "minute": 29}
